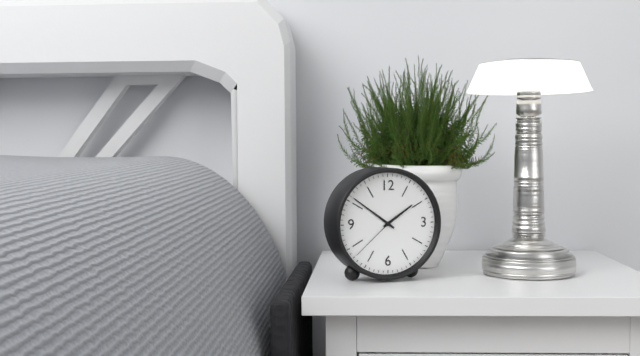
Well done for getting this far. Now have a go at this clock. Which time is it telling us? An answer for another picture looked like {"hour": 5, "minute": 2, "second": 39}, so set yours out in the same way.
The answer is {"hour": 1, "minute": 51, "second": 38}
